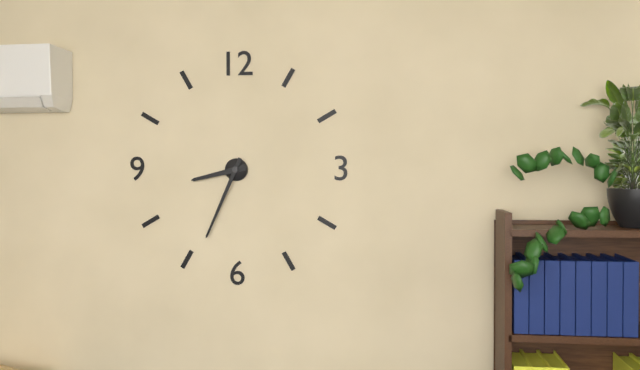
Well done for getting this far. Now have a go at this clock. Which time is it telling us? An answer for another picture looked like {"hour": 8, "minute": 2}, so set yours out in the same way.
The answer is {"hour": 8, "minute": 34}
